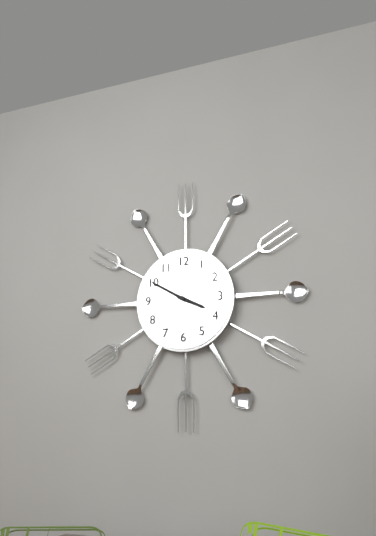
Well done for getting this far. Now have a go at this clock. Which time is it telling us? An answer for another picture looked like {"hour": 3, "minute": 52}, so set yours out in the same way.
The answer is {"hour": 3, "minute": 50}
